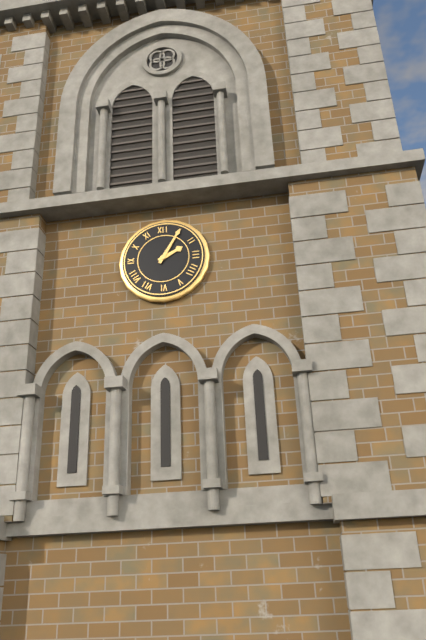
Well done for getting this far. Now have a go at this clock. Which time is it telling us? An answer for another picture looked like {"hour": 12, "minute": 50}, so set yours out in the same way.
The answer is {"hour": 2, "minute": 5}
